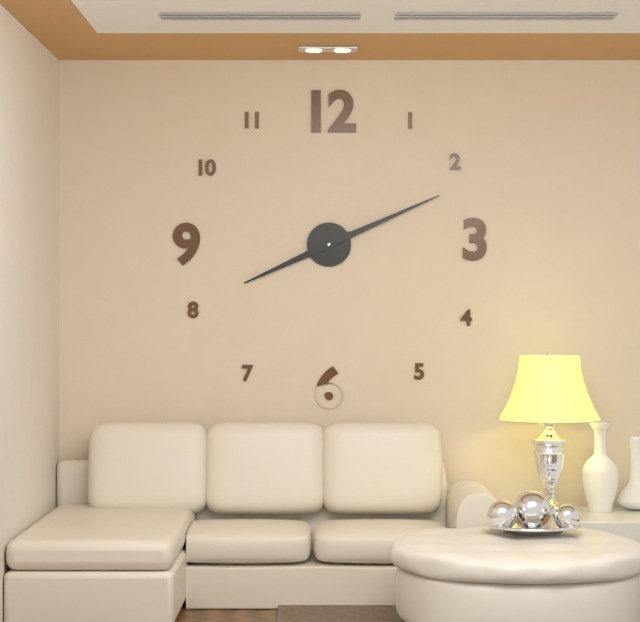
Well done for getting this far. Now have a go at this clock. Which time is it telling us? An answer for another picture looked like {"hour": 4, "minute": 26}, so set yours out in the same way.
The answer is {"hour": 8, "minute": 11}
